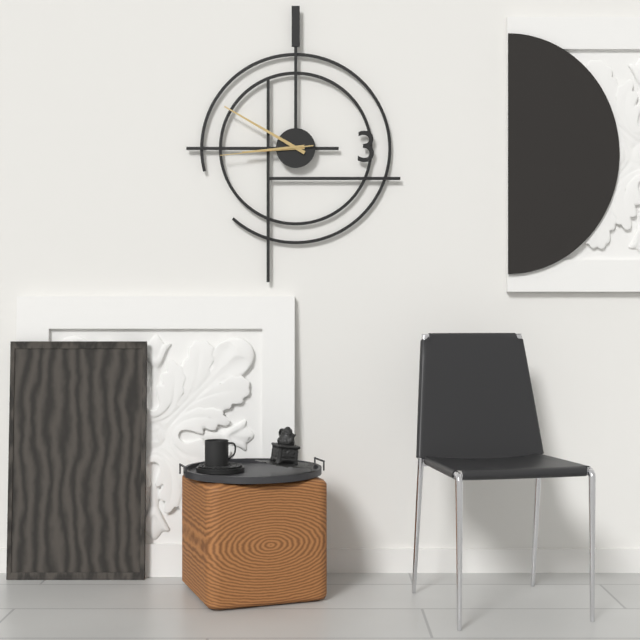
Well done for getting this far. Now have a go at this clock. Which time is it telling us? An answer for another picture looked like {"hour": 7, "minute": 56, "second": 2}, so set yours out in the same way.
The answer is {"hour": 8, "minute": 50, "second": 44}
